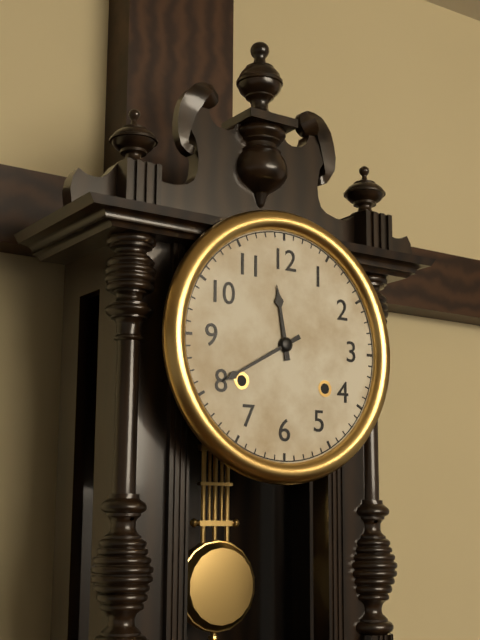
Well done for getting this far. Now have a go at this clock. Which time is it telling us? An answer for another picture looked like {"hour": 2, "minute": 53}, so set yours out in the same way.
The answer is {"hour": 11, "minute": 40}
